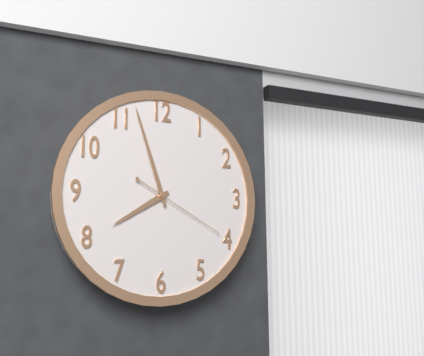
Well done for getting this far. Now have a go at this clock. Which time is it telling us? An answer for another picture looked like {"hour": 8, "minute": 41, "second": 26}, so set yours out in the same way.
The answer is {"hour": 7, "minute": 57, "second": 20}
